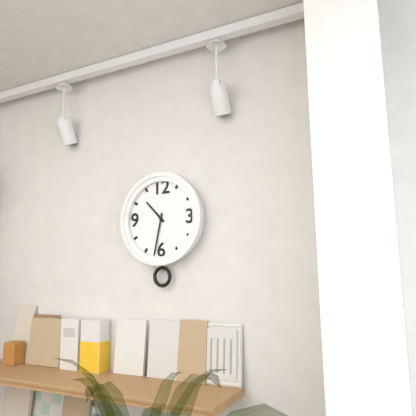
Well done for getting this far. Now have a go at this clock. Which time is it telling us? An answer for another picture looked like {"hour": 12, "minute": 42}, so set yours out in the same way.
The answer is {"hour": 10, "minute": 32}
